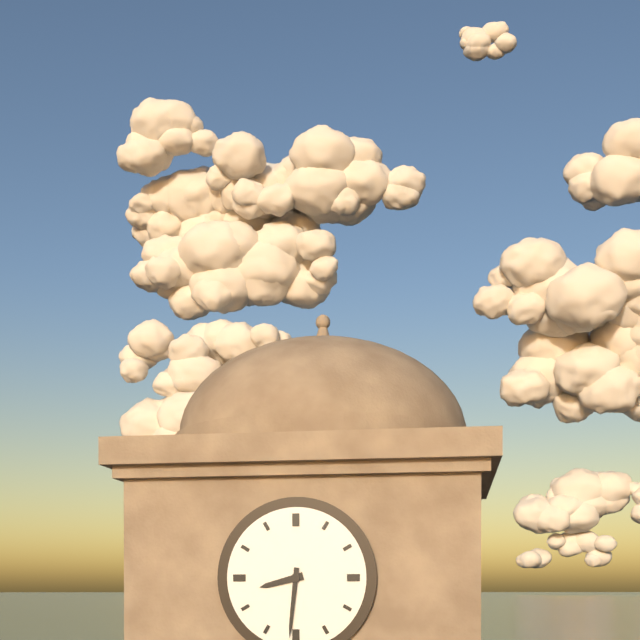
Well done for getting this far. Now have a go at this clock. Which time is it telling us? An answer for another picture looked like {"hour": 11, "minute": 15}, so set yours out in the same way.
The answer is {"hour": 8, "minute": 31}
